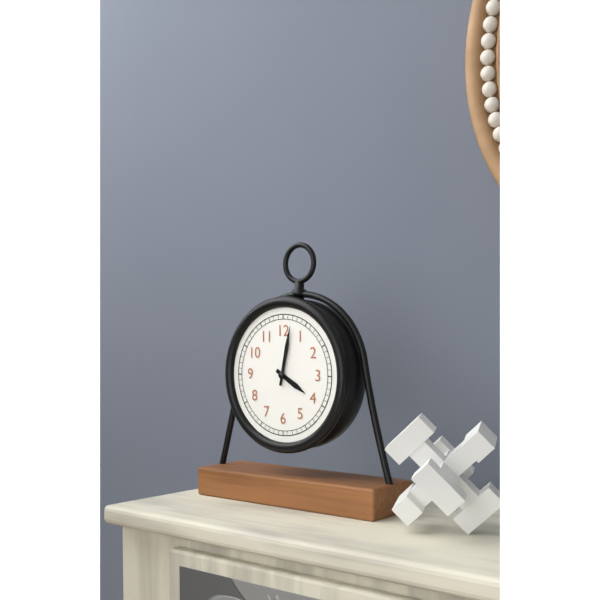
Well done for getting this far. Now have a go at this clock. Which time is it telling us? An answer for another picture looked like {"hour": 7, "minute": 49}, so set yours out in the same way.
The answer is {"hour": 4, "minute": 2}
